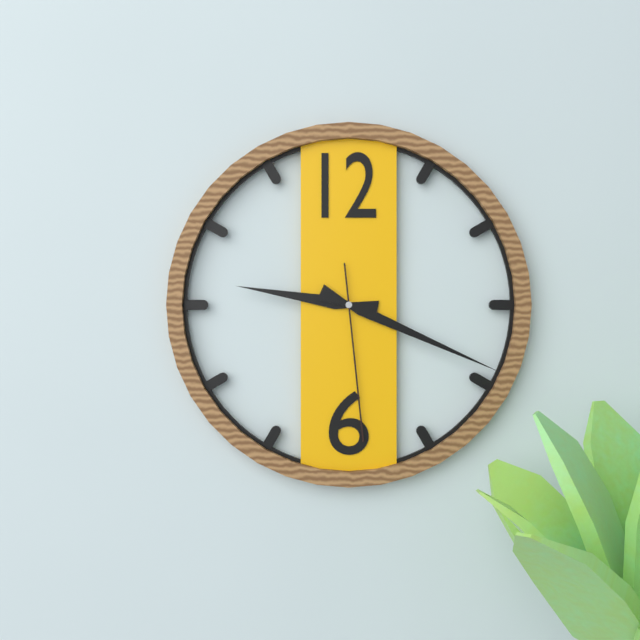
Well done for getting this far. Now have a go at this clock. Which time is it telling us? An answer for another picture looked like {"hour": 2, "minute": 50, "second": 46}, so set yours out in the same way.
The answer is {"hour": 9, "minute": 19, "second": 29}
